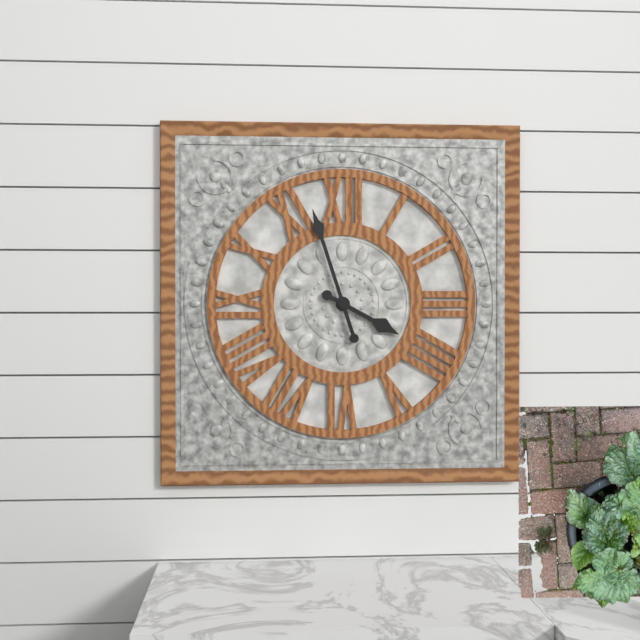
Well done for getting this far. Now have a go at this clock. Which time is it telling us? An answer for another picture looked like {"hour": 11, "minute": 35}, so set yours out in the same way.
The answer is {"hour": 3, "minute": 57}
